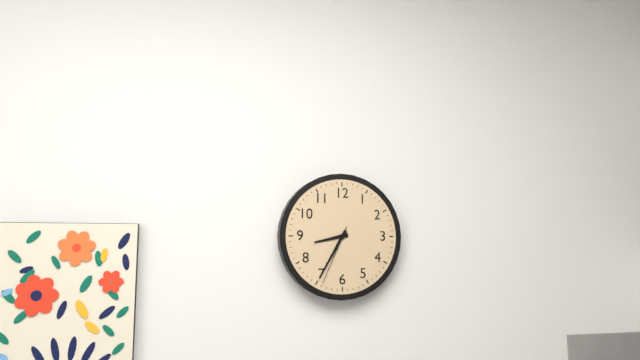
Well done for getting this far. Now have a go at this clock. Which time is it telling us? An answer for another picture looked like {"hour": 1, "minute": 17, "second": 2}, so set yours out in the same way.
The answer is {"hour": 8, "minute": 35, "second": 34}
